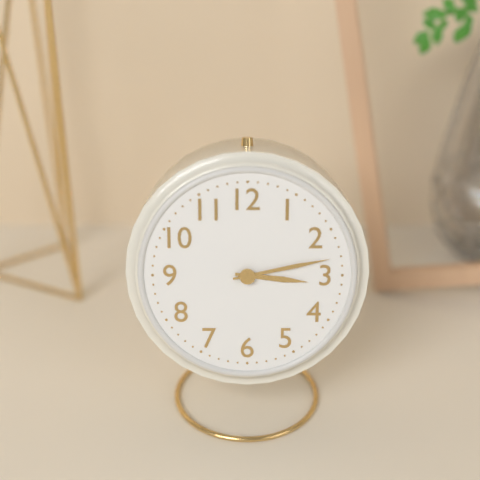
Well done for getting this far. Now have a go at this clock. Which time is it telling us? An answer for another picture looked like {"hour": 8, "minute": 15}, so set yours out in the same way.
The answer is {"hour": 3, "minute": 13}
